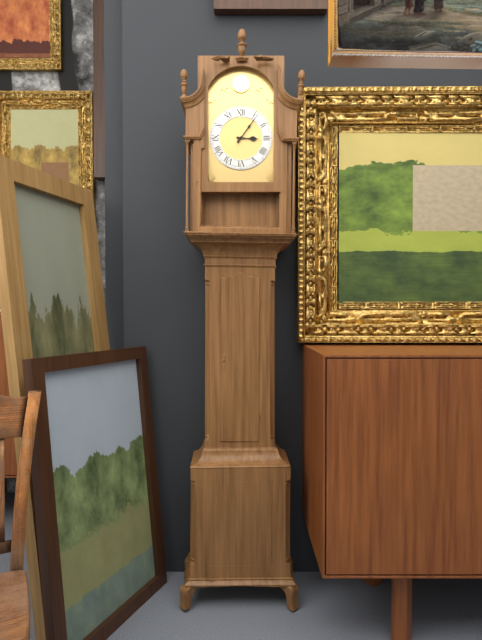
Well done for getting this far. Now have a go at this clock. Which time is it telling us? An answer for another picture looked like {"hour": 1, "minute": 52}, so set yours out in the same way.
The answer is {"hour": 3, "minute": 6}
